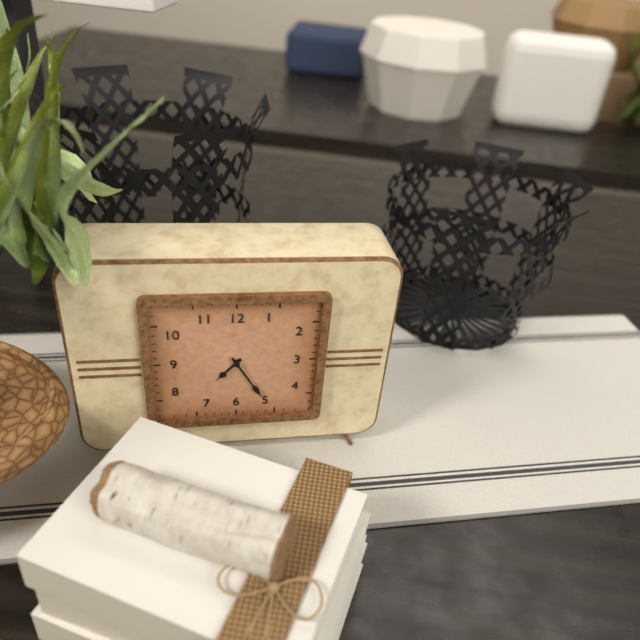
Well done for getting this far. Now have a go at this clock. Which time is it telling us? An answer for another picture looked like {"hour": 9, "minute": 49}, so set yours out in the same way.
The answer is {"hour": 7, "minute": 25}
